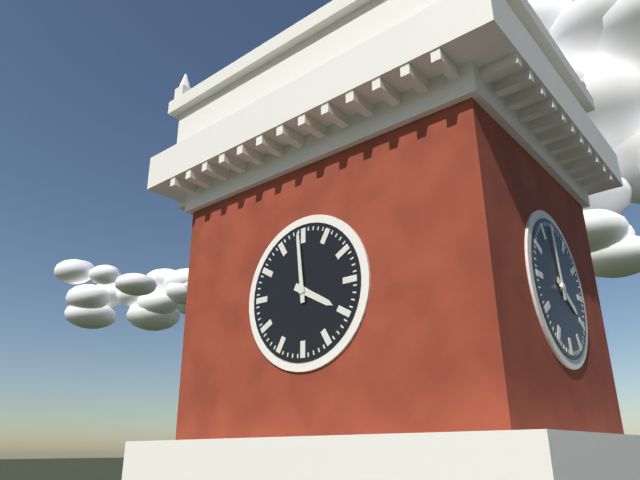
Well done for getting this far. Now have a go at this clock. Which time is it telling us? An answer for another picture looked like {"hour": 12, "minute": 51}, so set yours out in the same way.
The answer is {"hour": 3, "minute": 59}
